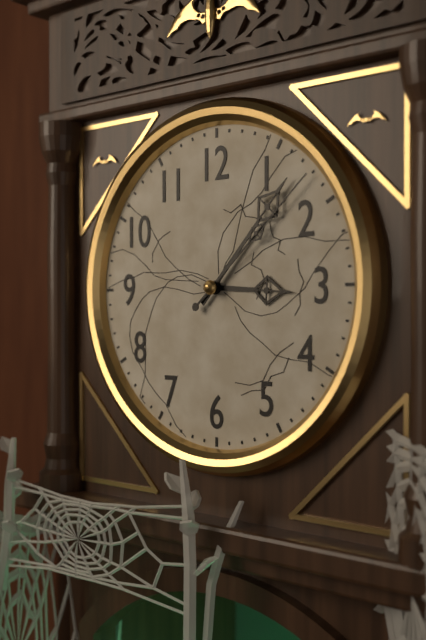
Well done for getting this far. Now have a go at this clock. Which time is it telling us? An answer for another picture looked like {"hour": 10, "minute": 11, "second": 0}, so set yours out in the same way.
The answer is {"hour": 3, "minute": 7, "second": 8}
